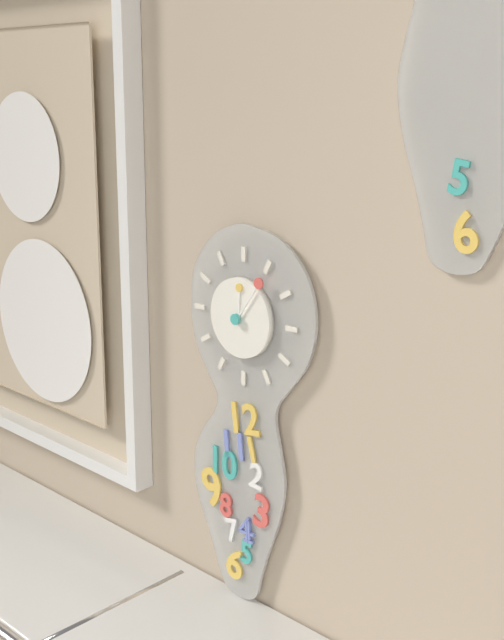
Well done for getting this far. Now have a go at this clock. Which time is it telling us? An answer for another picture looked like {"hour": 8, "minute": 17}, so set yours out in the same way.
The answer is {"hour": 12, "minute": 6}
